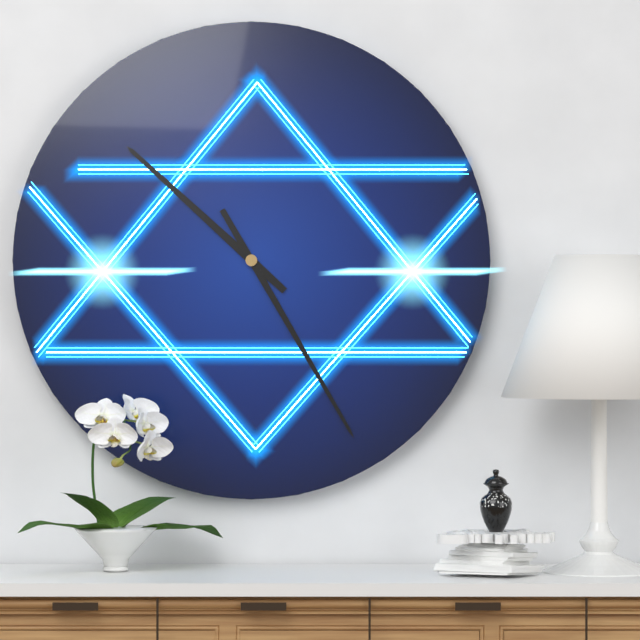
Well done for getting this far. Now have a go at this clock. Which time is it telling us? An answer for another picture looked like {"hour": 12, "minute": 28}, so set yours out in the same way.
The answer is {"hour": 10, "minute": 25}
